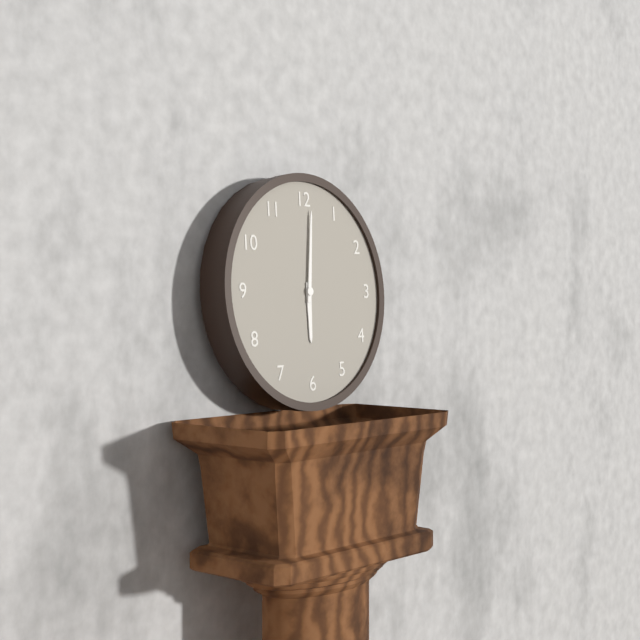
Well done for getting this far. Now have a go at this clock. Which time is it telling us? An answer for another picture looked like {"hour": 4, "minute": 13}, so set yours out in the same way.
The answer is {"hour": 6, "minute": 1}
